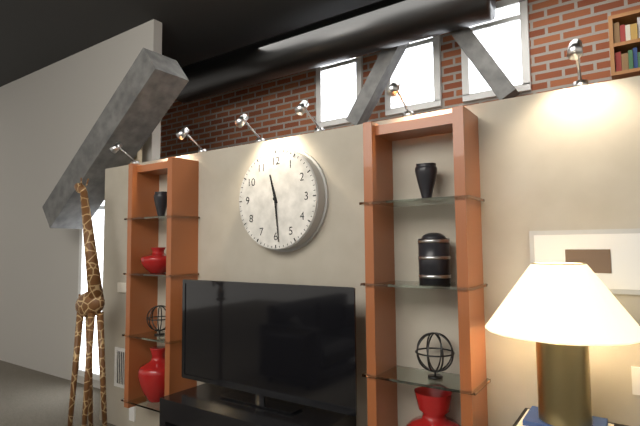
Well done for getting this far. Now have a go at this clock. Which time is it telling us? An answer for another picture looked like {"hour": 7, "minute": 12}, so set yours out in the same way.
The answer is {"hour": 11, "minute": 29}
